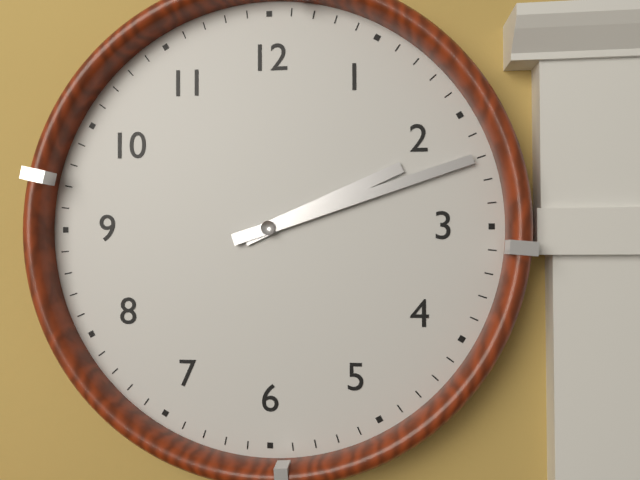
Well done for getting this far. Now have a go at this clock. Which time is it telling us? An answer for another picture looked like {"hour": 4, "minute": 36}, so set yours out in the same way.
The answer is {"hour": 2, "minute": 12}
